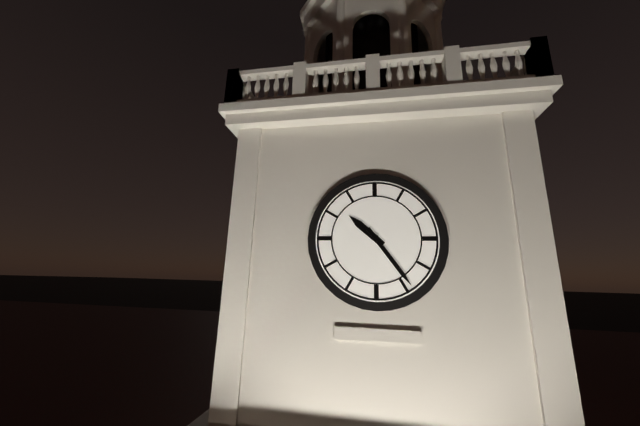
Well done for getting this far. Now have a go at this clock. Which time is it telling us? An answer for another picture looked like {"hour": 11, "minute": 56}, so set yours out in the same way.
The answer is {"hour": 10, "minute": 24}
